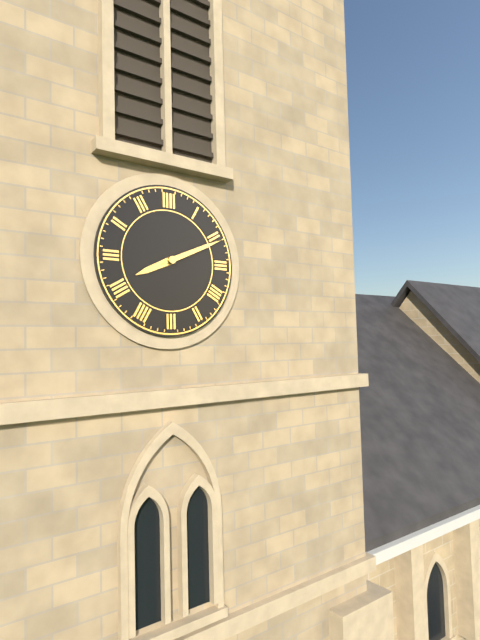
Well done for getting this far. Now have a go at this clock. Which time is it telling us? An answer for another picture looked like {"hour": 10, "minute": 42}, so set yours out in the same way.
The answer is {"hour": 8, "minute": 11}
